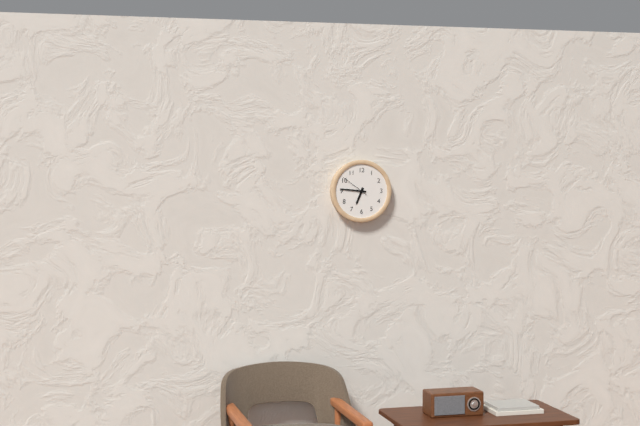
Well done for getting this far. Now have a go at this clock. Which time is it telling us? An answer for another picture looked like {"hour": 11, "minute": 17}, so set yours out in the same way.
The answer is {"hour": 6, "minute": 46}
